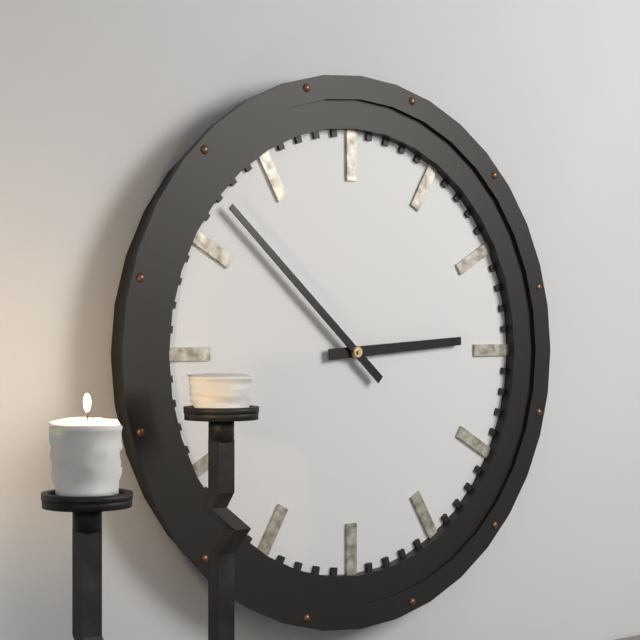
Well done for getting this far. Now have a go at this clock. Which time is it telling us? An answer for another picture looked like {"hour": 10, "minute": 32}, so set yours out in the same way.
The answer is {"hour": 2, "minute": 52}
